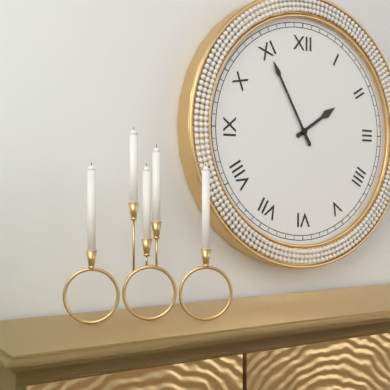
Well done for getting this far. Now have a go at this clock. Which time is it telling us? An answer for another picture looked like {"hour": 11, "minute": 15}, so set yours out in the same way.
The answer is {"hour": 1, "minute": 55}
